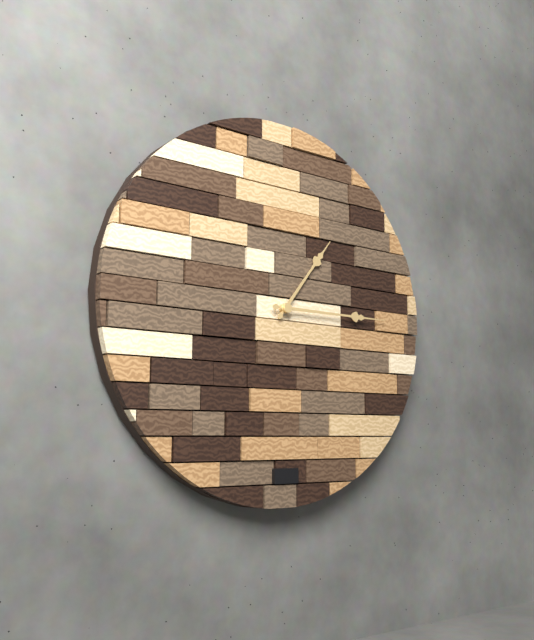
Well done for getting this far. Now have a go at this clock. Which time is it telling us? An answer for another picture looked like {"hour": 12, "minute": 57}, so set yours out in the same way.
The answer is {"hour": 1, "minute": 15}
